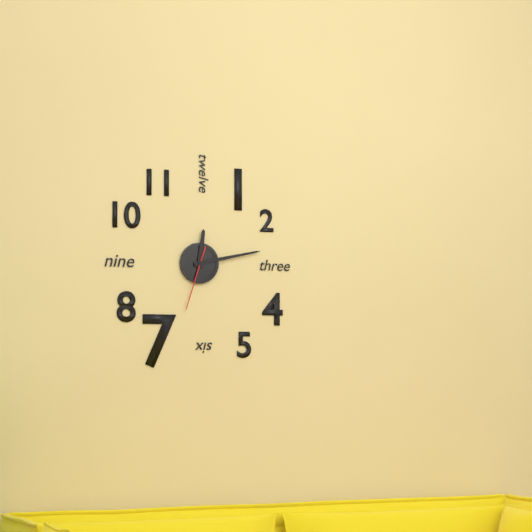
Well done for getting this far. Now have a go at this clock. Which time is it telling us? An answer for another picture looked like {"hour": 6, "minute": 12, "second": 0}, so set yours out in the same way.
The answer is {"hour": 12, "minute": 13, "second": 33}
